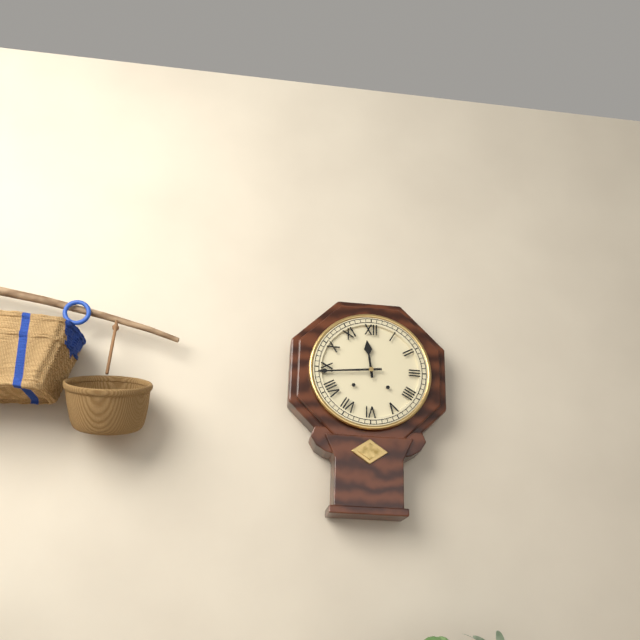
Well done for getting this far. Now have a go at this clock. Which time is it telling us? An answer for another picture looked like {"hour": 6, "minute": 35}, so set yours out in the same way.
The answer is {"hour": 11, "minute": 44}
